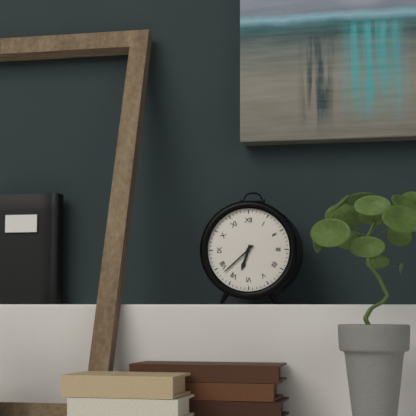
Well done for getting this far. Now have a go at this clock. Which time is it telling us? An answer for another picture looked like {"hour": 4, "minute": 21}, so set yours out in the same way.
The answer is {"hour": 6, "minute": 38}
